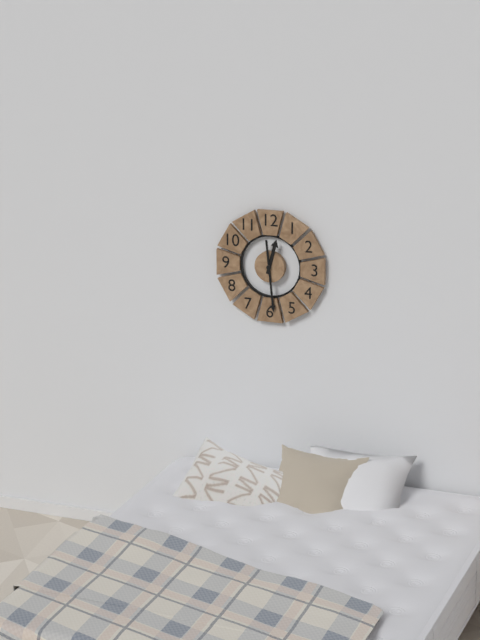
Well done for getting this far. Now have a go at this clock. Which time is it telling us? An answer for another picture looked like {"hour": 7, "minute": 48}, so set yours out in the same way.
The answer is {"hour": 12, "minute": 29}
